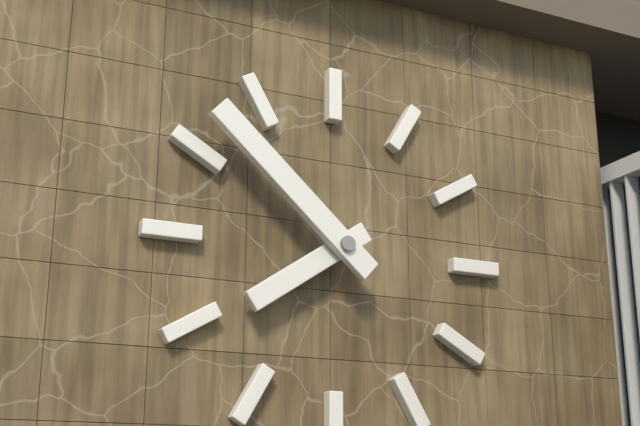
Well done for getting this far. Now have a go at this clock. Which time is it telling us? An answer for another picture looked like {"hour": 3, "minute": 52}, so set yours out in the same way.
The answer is {"hour": 7, "minute": 52}
